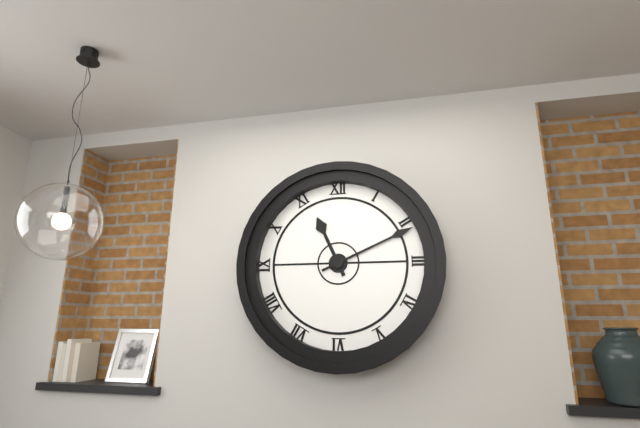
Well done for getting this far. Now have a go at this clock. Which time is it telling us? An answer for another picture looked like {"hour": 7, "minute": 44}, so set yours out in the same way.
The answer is {"hour": 11, "minute": 11}
